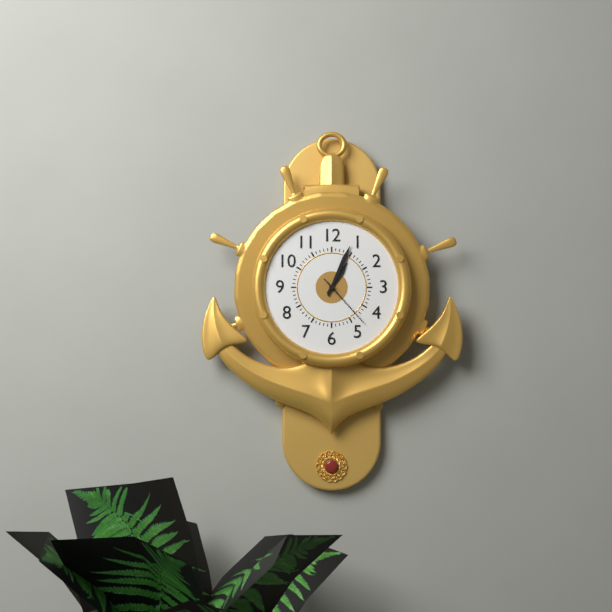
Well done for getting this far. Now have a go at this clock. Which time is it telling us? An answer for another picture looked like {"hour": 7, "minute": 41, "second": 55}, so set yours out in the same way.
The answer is {"hour": 1, "minute": 4, "second": 23}
